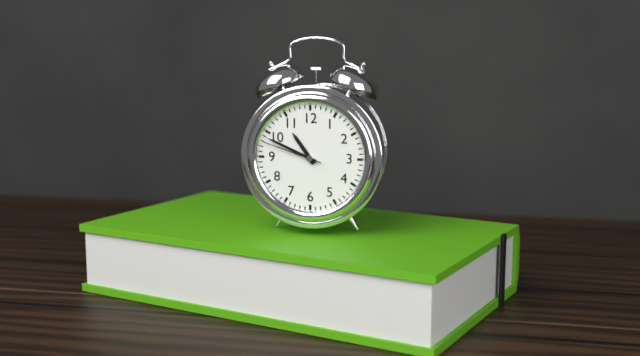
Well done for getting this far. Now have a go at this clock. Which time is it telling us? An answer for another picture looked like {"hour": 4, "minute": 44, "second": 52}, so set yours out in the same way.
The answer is {"hour": 10, "minute": 49, "second": 48}
